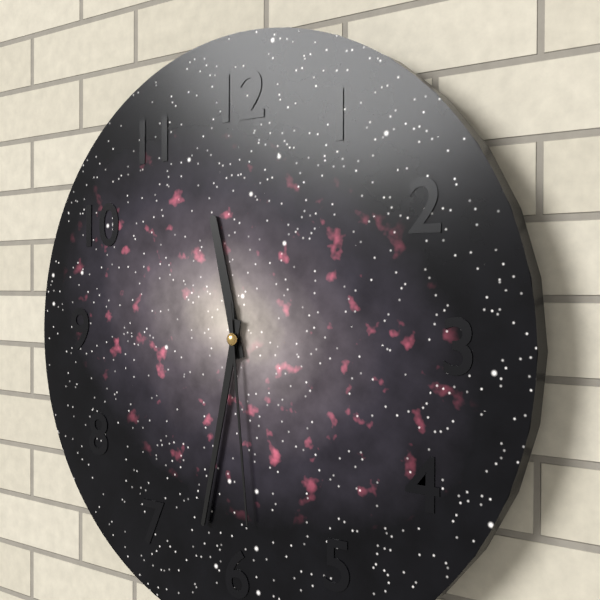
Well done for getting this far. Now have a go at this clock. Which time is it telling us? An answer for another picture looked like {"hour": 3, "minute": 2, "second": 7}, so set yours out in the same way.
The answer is {"hour": 11, "minute": 32, "second": 29}
